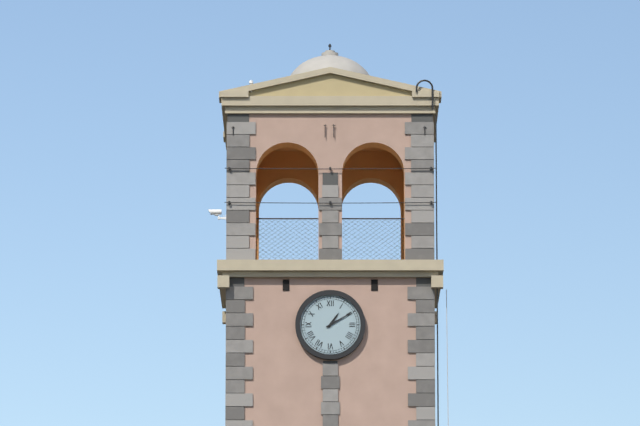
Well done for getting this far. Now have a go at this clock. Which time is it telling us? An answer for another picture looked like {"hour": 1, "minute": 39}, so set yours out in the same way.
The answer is {"hour": 1, "minute": 10}
